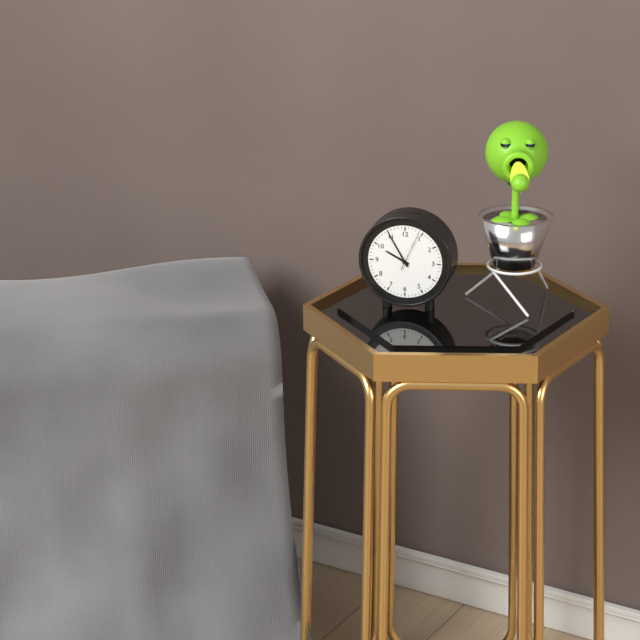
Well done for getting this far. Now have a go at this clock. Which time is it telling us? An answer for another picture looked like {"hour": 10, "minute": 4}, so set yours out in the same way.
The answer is {"hour": 9, "minute": 55}
